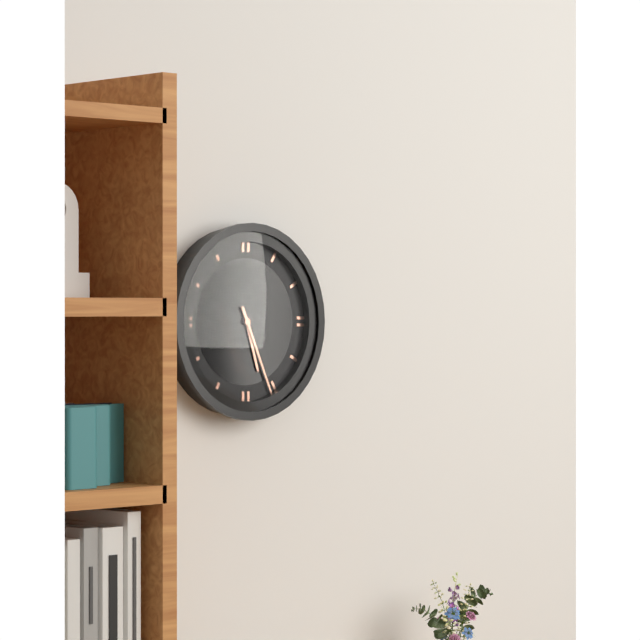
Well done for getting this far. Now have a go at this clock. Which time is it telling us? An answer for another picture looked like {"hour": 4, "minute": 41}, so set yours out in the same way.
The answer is {"hour": 5, "minute": 26}
